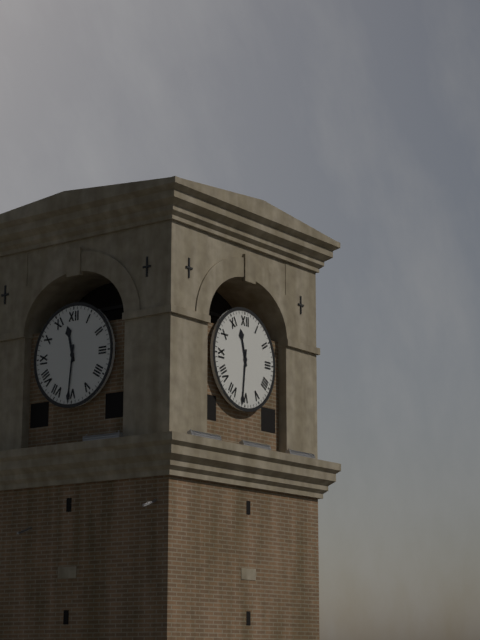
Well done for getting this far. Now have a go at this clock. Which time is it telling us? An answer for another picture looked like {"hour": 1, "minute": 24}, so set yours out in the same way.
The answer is {"hour": 11, "minute": 31}
